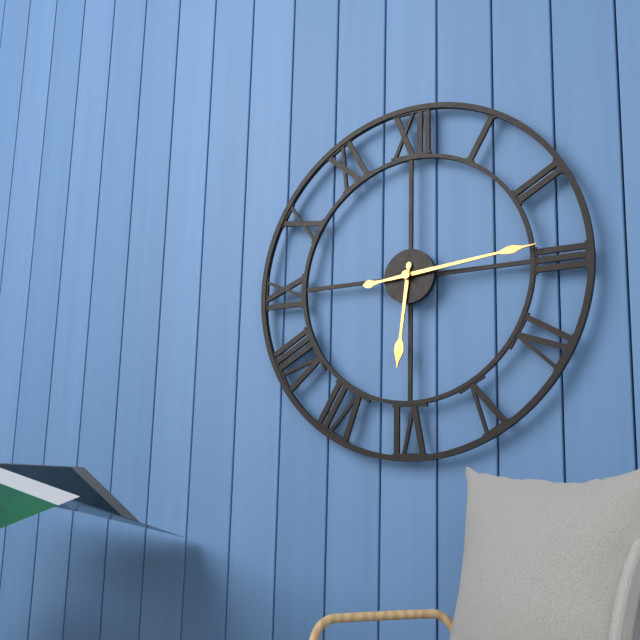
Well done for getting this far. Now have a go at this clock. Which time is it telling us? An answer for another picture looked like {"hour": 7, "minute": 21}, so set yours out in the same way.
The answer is {"hour": 6, "minute": 14}
